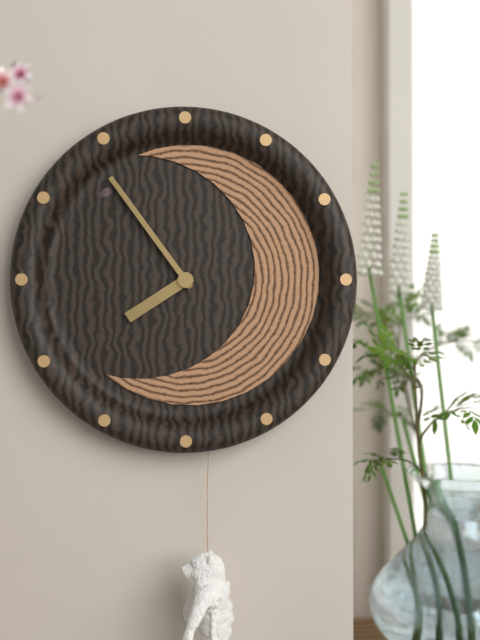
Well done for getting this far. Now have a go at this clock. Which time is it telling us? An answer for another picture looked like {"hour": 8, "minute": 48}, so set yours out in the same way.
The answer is {"hour": 7, "minute": 54}
